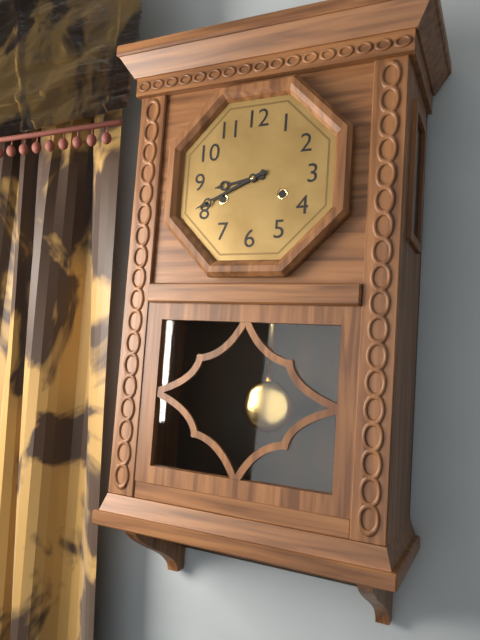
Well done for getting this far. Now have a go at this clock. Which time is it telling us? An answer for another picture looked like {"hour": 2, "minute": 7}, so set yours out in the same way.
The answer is {"hour": 8, "minute": 41}
